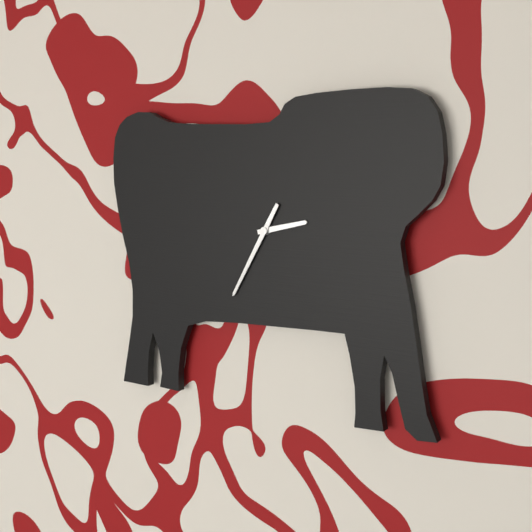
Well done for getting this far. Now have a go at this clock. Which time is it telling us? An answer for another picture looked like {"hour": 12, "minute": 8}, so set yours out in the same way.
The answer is {"hour": 2, "minute": 35}
